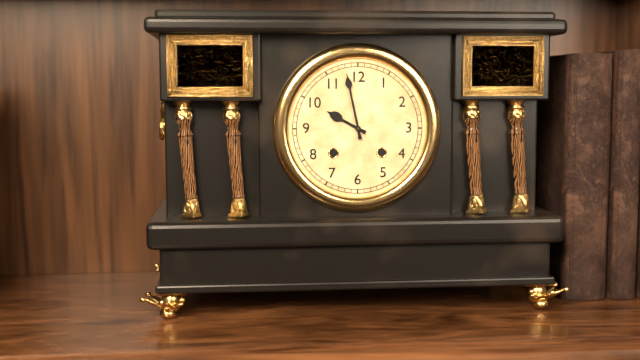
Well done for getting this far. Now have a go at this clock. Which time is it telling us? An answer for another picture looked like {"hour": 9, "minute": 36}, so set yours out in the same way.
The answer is {"hour": 9, "minute": 58}
